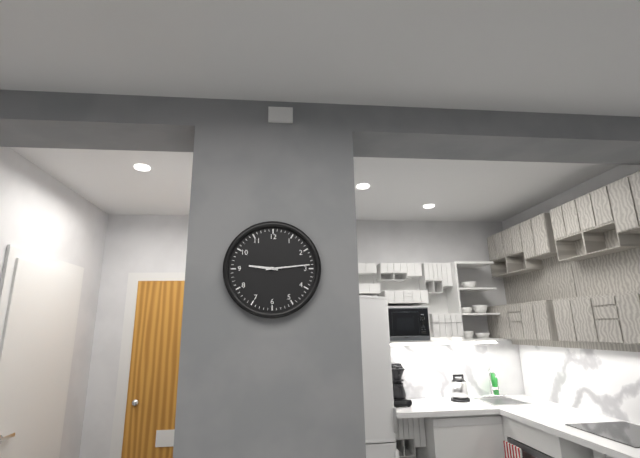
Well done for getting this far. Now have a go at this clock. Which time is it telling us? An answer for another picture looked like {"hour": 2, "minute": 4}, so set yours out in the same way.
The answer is {"hour": 9, "minute": 14}
